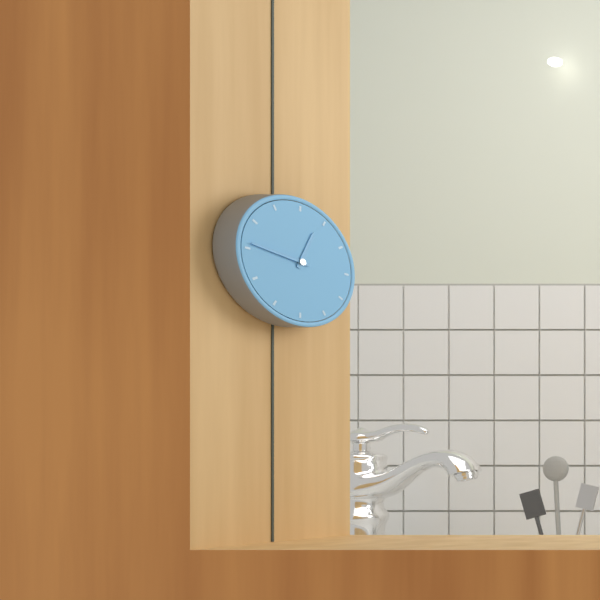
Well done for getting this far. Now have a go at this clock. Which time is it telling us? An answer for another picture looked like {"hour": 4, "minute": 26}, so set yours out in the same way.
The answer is {"hour": 12, "minute": 46}
